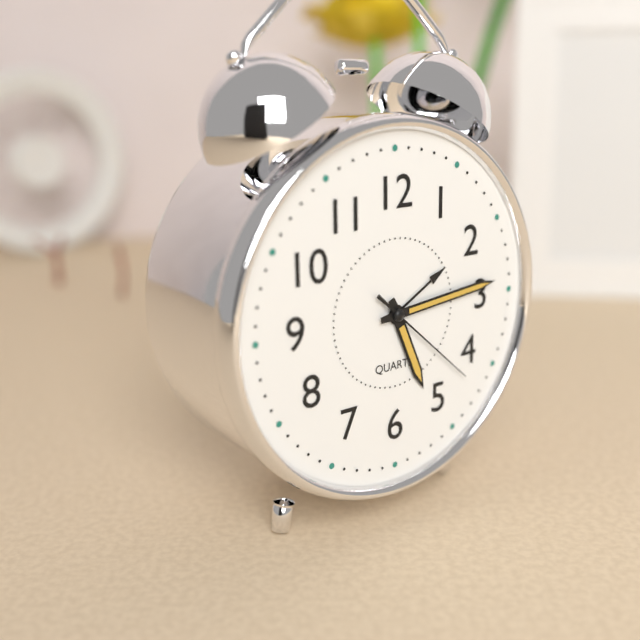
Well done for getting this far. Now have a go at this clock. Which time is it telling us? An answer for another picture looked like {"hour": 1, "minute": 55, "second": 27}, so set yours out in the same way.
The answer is {"hour": 5, "minute": 14, "second": 22}
